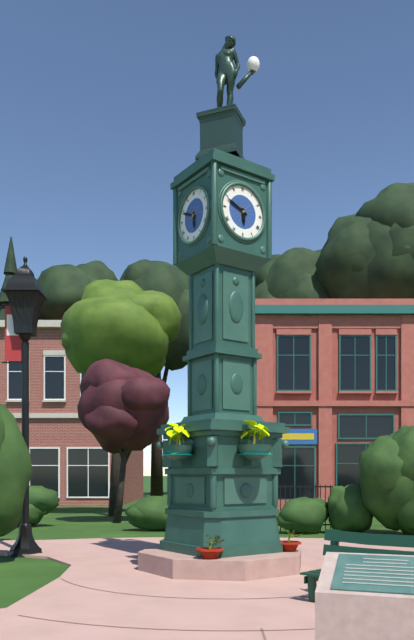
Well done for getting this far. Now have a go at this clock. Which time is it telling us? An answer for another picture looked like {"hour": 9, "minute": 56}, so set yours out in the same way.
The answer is {"hour": 5, "minute": 49}
